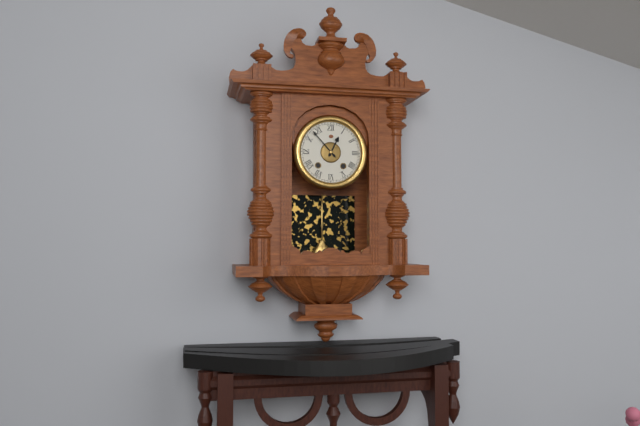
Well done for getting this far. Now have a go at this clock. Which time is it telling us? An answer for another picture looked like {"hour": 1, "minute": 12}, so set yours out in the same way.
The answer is {"hour": 12, "minute": 53}
